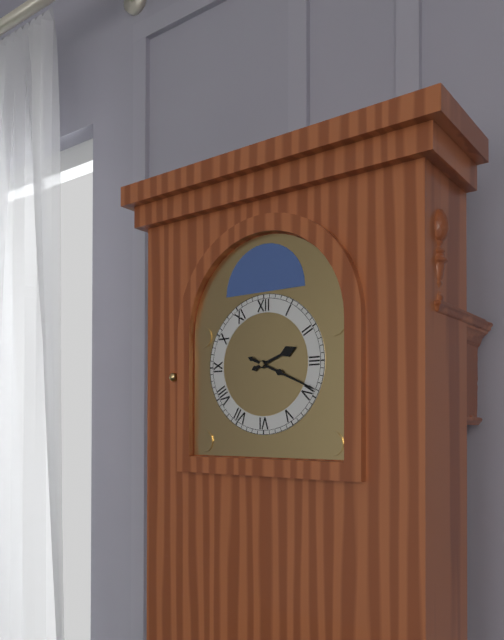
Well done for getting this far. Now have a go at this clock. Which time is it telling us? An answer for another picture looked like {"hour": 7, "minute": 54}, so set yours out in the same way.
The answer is {"hour": 2, "minute": 19}
